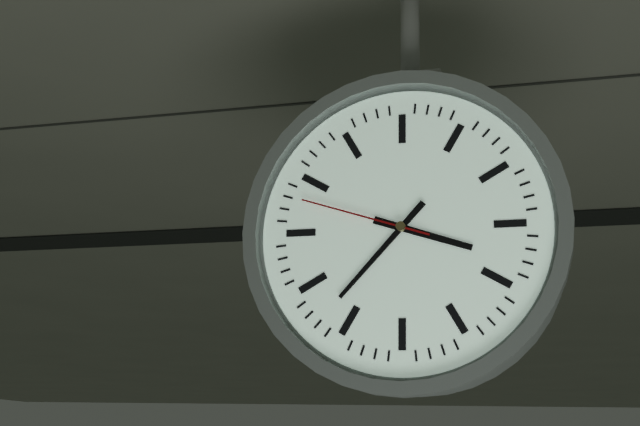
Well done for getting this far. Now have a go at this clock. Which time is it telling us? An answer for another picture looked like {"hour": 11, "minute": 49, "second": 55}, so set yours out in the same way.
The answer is {"hour": 3, "minute": 37, "second": 48}
